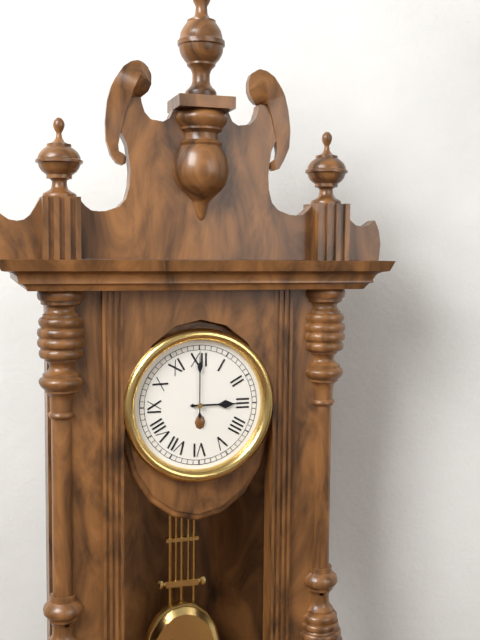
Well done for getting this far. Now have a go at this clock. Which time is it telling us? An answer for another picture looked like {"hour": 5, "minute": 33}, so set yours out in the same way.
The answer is {"hour": 3, "minute": 0}
